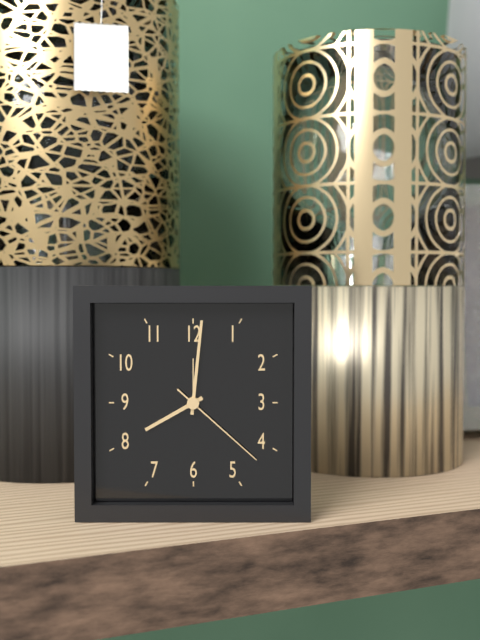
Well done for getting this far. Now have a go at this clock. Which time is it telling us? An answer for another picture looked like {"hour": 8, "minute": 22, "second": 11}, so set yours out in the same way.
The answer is {"hour": 8, "minute": 1, "second": 22}
